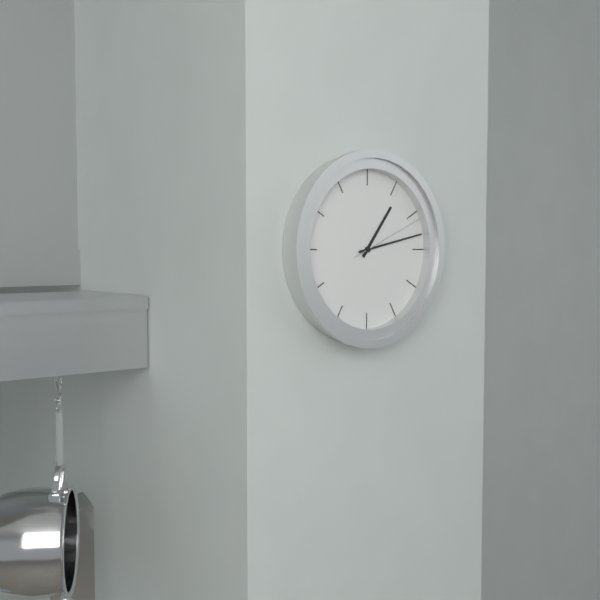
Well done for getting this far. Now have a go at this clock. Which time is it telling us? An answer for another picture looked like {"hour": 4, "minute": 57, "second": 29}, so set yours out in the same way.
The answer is {"hour": 1, "minute": 13, "second": 11}
